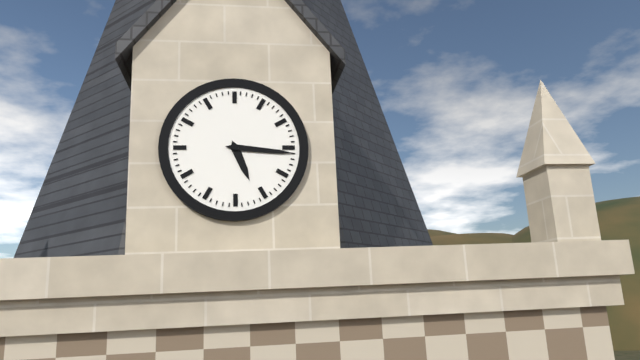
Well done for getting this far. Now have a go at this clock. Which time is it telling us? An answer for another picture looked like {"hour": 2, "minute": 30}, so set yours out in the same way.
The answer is {"hour": 5, "minute": 16}
